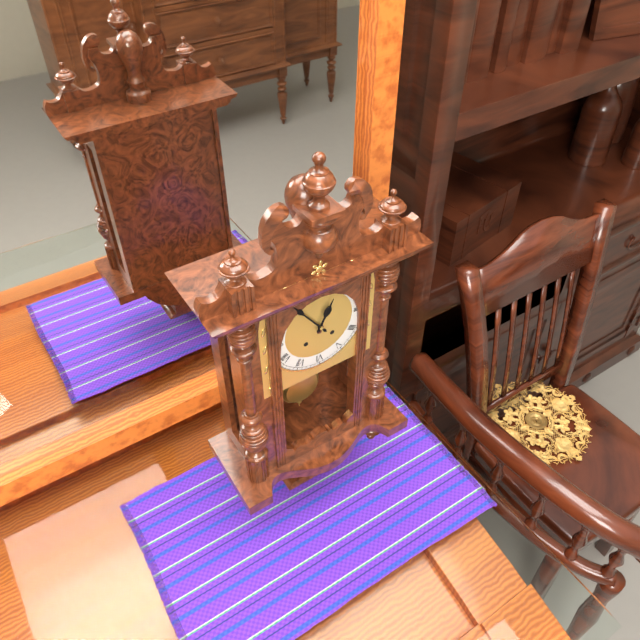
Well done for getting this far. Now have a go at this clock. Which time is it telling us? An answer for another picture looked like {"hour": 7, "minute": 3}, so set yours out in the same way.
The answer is {"hour": 12, "minute": 54}
